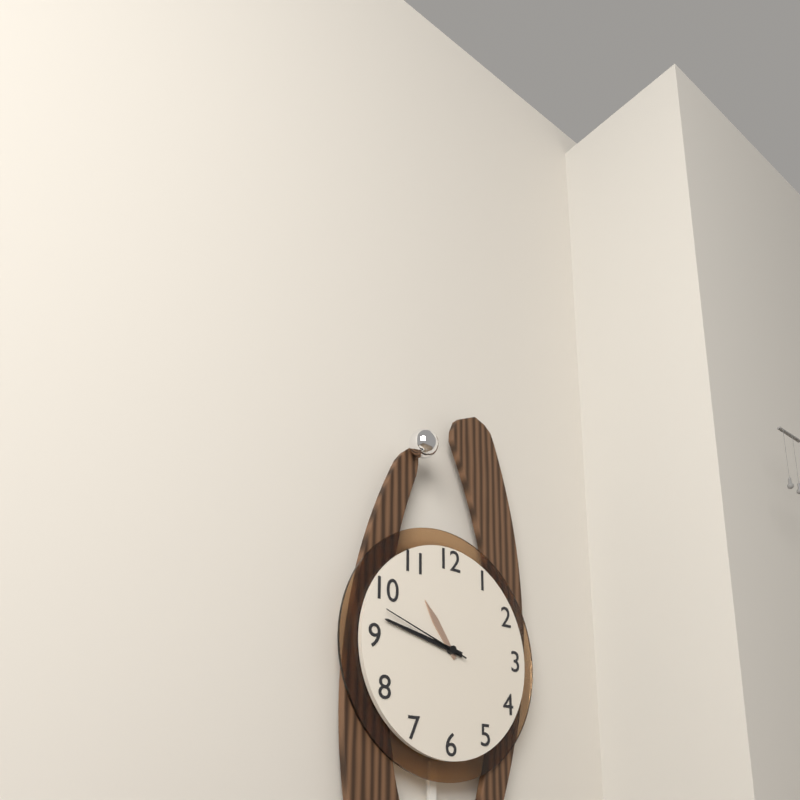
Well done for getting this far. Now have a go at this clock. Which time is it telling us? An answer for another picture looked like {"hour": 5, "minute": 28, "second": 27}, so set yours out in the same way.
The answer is {"hour": 10, "minute": 47, "second": 48}
